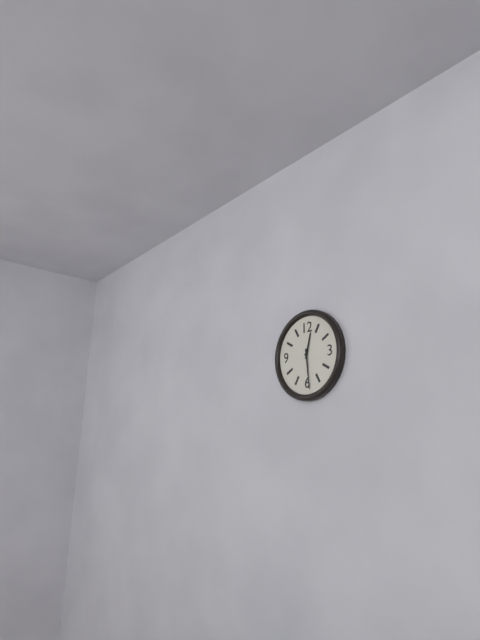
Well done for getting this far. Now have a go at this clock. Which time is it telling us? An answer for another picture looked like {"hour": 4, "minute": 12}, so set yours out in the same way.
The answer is {"hour": 12, "minute": 29}
